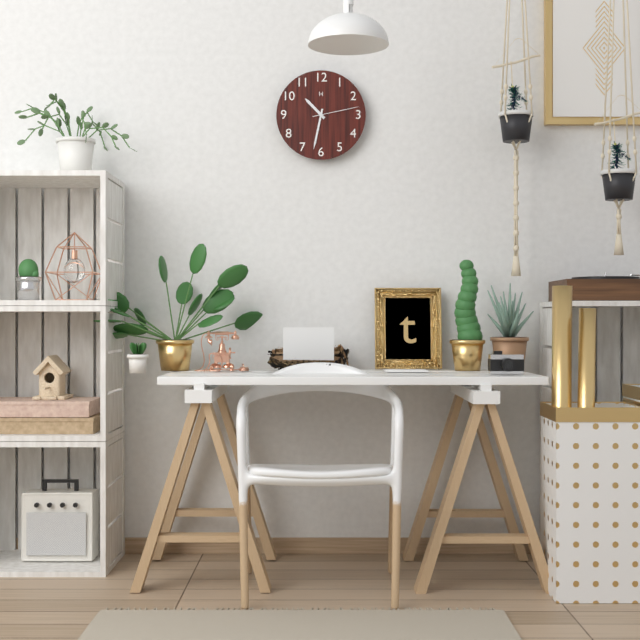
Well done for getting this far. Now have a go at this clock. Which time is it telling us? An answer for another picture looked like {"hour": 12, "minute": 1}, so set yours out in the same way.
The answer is {"hour": 10, "minute": 32}
